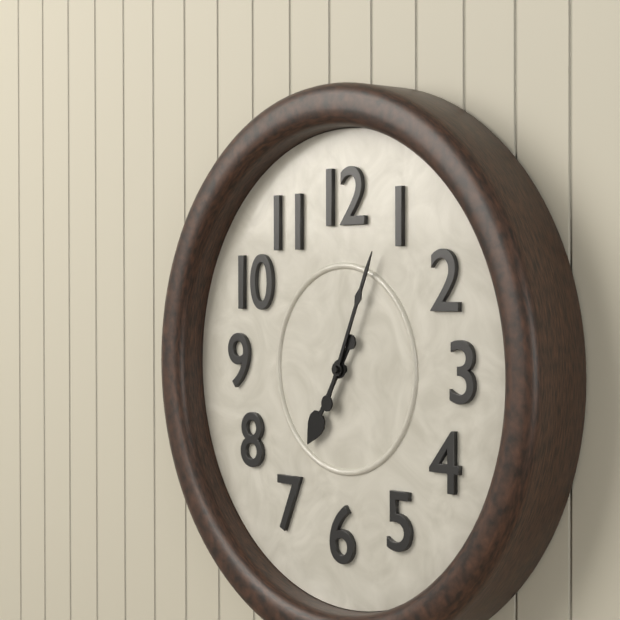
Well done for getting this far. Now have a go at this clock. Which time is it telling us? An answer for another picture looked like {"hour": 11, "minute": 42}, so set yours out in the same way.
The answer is {"hour": 7, "minute": 4}
